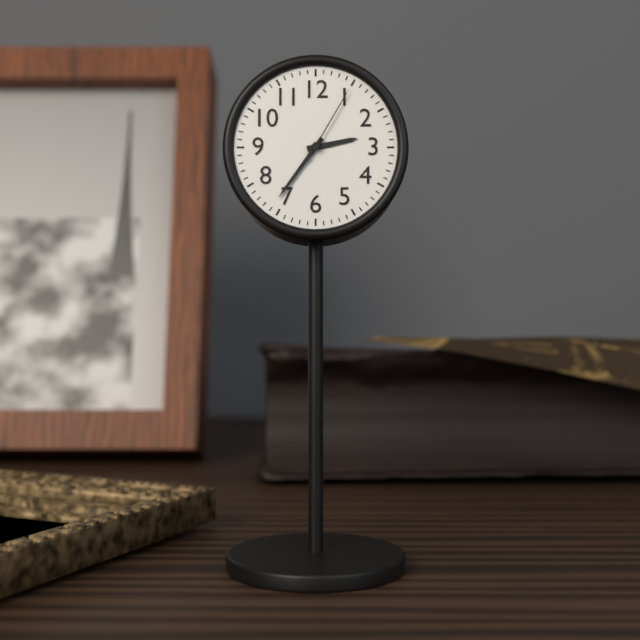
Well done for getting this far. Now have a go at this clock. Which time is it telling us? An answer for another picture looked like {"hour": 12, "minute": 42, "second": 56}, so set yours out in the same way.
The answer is {"hour": 2, "minute": 36, "second": 5}
